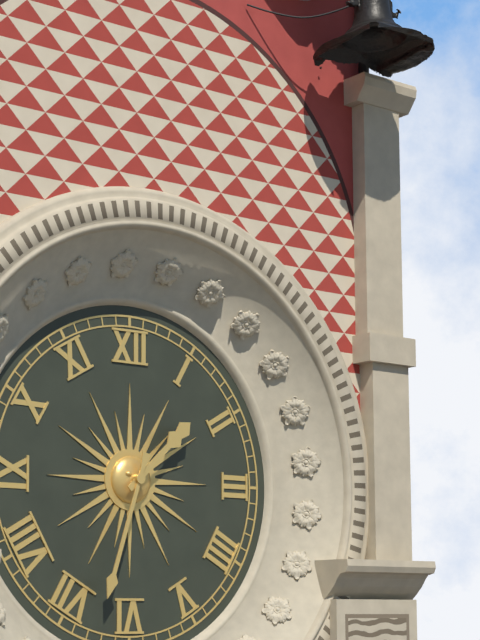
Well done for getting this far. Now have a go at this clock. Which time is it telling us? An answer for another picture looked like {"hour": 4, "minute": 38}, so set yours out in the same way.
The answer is {"hour": 1, "minute": 33}
